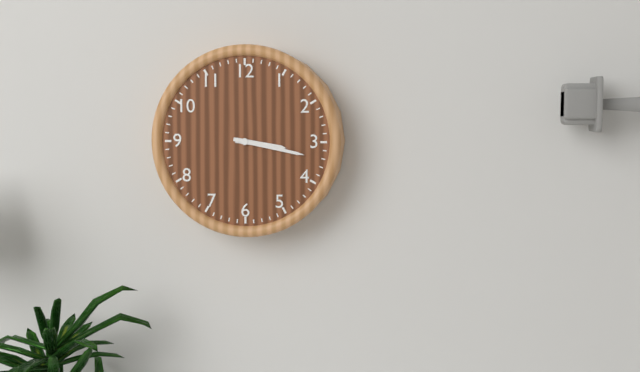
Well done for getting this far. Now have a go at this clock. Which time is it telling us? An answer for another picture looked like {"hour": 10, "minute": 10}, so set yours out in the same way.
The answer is {"hour": 3, "minute": 17}
